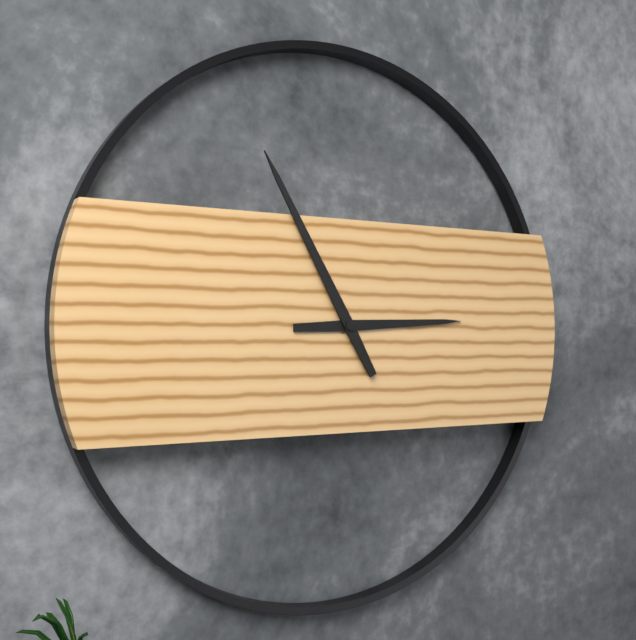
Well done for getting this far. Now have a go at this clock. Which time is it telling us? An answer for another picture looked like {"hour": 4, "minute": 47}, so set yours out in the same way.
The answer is {"hour": 2, "minute": 55}
